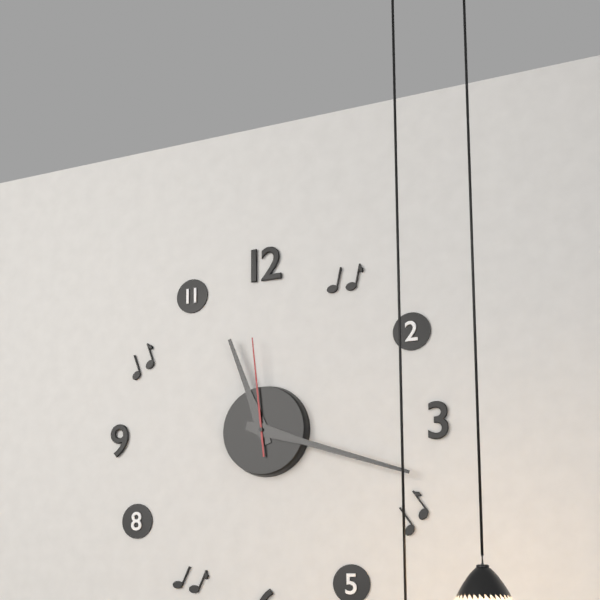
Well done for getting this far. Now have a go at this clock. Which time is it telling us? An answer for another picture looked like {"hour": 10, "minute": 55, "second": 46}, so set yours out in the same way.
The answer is {"hour": 11, "minute": 18, "second": 59}
